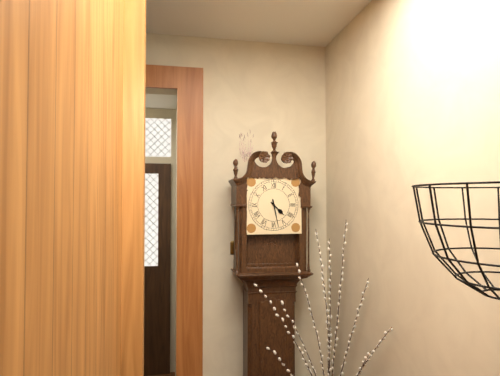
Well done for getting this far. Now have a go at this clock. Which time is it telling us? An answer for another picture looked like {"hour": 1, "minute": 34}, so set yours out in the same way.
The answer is {"hour": 4, "minute": 28}
